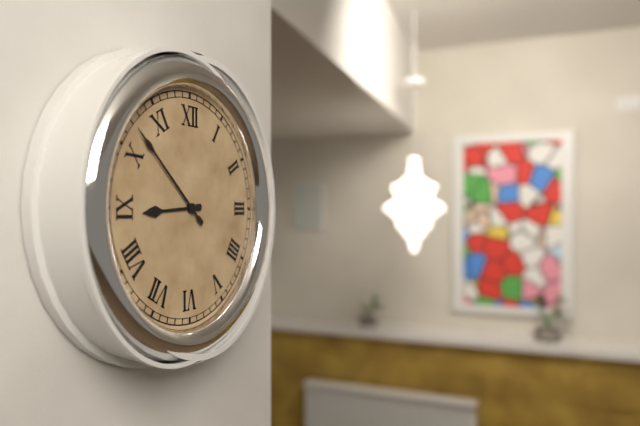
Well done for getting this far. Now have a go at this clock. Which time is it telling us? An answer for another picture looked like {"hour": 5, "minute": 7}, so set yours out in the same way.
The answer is {"hour": 8, "minute": 52}
